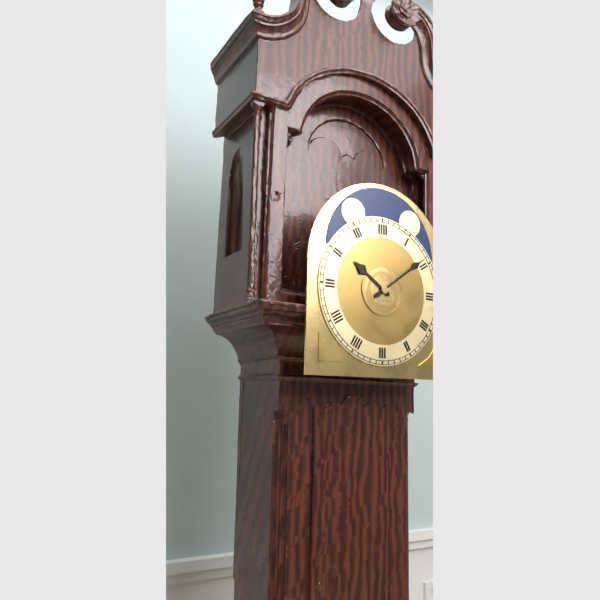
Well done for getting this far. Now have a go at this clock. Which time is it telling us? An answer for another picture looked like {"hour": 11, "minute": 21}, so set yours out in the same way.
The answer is {"hour": 10, "minute": 9}
